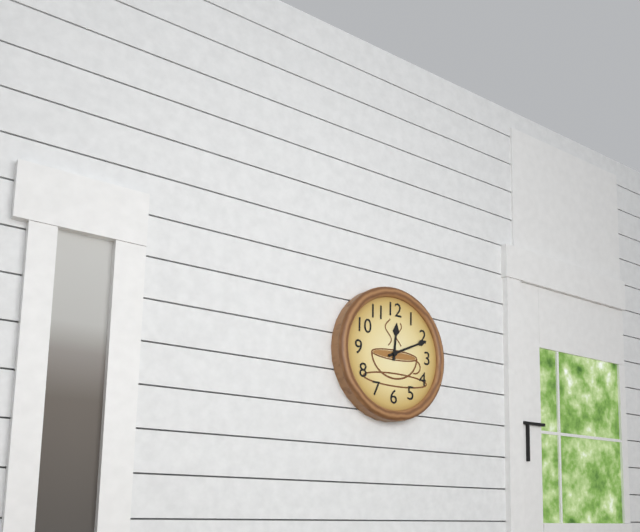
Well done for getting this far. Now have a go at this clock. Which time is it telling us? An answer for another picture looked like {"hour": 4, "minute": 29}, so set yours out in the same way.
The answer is {"hour": 12, "minute": 11}
